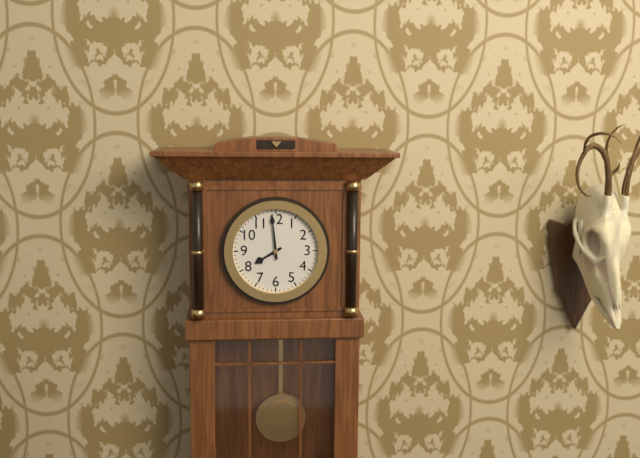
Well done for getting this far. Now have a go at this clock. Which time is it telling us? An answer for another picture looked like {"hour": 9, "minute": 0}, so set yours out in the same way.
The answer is {"hour": 7, "minute": 59}
